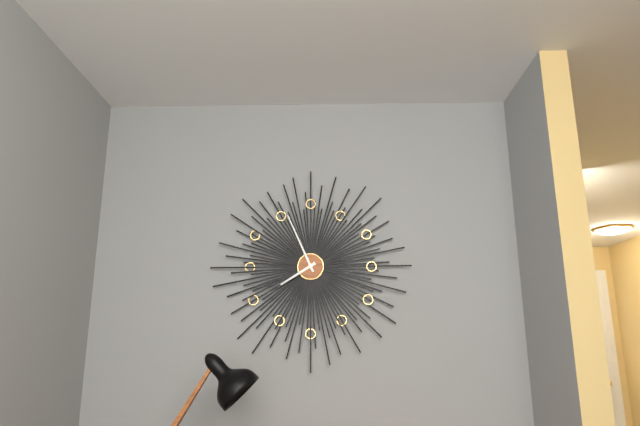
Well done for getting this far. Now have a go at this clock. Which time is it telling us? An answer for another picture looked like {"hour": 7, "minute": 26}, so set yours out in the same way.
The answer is {"hour": 7, "minute": 56}
